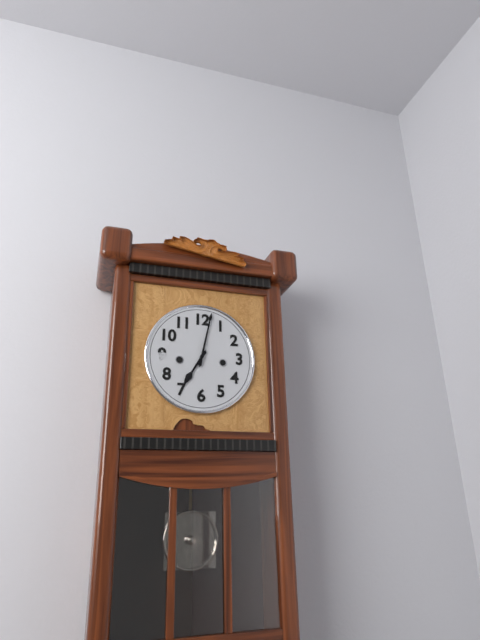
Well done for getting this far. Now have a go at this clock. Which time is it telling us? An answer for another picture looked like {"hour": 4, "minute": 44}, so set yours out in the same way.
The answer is {"hour": 7, "minute": 2}
